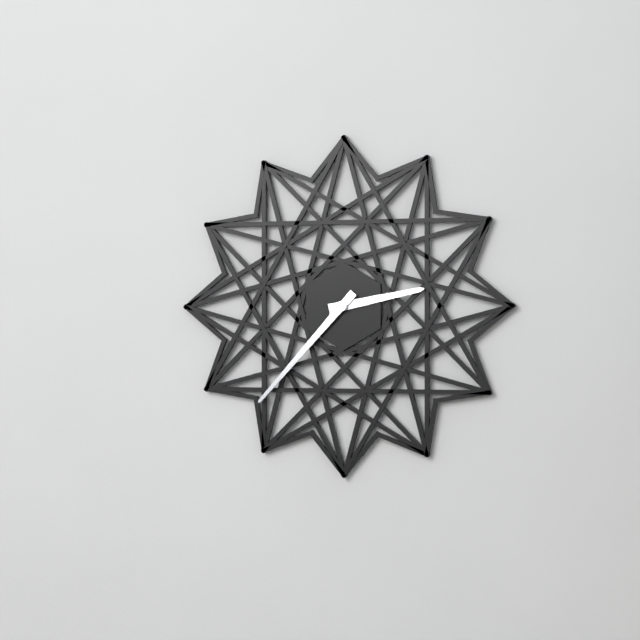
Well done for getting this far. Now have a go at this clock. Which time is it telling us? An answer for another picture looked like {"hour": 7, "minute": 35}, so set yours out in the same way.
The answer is {"hour": 2, "minute": 37}
